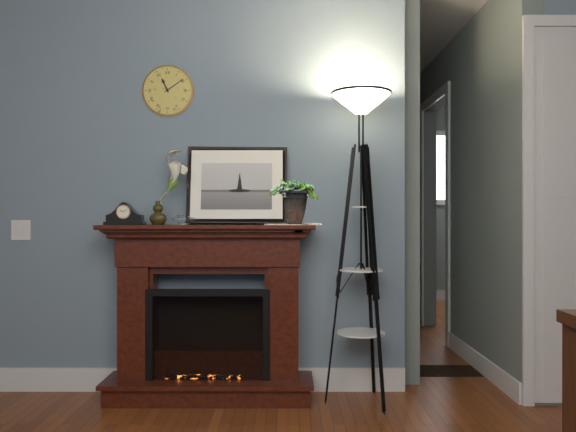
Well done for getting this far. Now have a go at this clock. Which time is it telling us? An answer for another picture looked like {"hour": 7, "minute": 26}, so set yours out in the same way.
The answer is {"hour": 11, "minute": 9}
